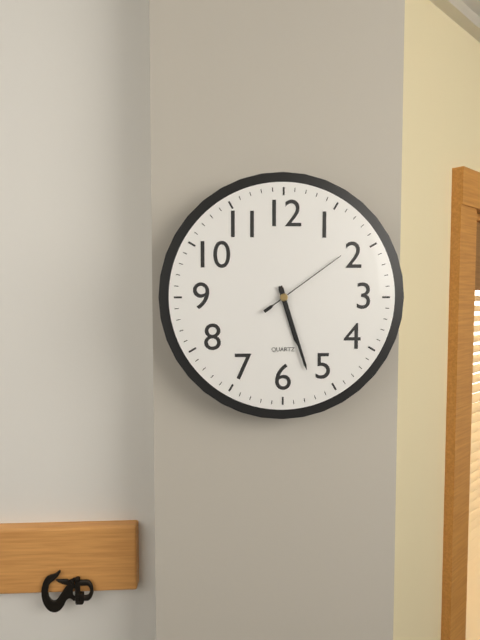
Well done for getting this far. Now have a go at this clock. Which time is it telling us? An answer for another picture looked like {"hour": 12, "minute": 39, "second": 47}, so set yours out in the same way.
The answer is {"hour": 5, "minute": 27, "second": 9}
